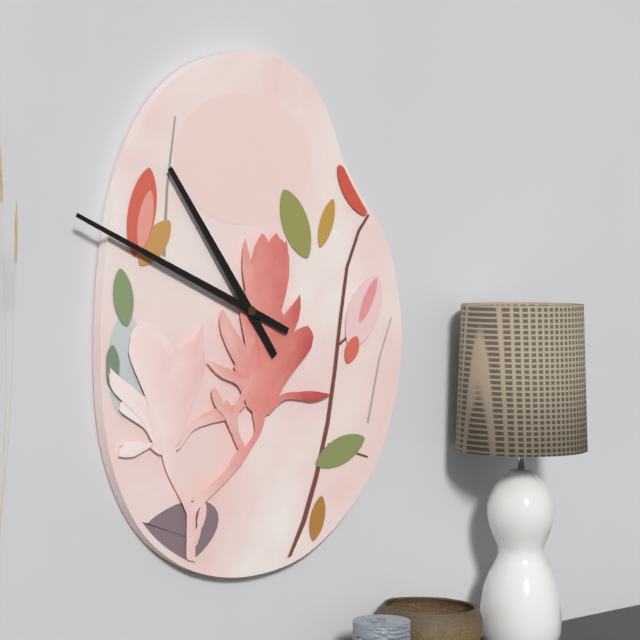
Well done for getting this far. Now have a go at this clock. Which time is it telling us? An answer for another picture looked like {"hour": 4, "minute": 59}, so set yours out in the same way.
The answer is {"hour": 10, "minute": 49}
